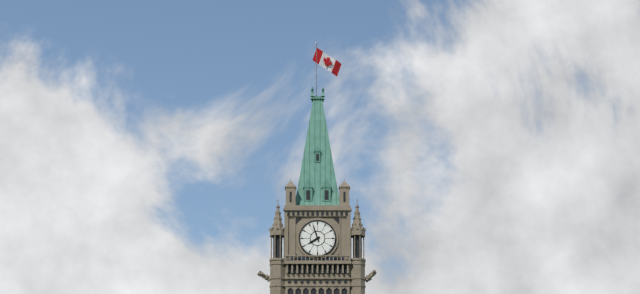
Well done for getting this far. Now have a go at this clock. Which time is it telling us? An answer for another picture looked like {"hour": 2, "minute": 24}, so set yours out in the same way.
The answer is {"hour": 7, "minute": 57}
